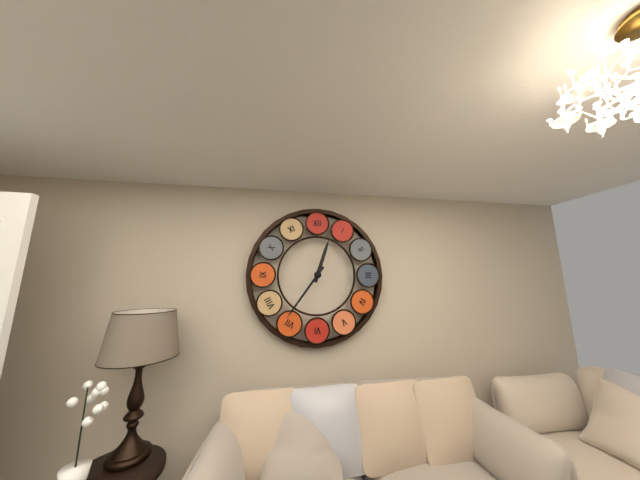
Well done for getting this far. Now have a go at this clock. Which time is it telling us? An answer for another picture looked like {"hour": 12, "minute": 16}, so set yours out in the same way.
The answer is {"hour": 12, "minute": 36}
